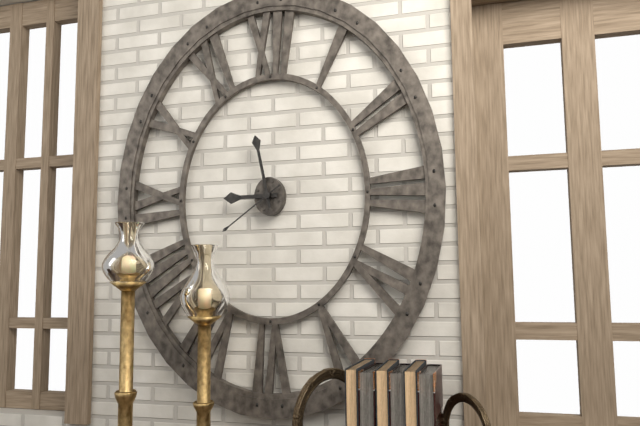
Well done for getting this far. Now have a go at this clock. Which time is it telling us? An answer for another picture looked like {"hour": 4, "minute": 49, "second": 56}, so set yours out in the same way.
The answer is {"hour": 8, "minute": 58, "second": 39}
